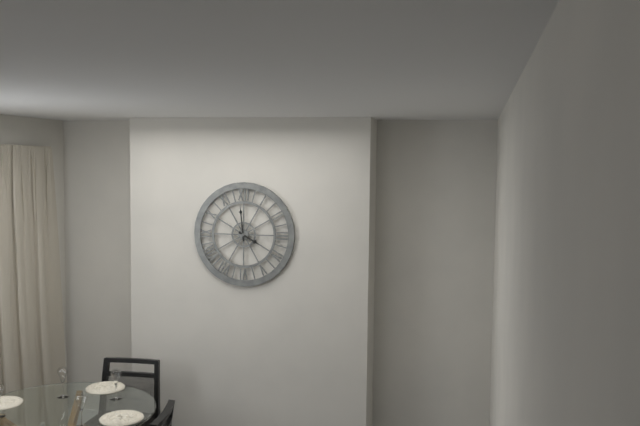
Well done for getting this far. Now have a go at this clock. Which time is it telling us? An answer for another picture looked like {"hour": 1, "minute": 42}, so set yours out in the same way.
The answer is {"hour": 3, "minute": 59}
